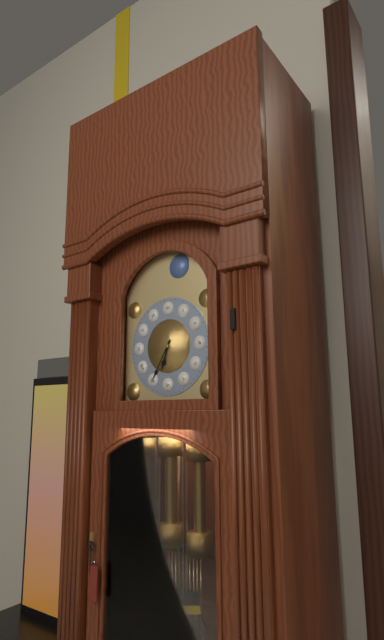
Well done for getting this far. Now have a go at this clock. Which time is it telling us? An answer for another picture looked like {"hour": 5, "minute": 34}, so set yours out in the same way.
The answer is {"hour": 6, "minute": 35}
